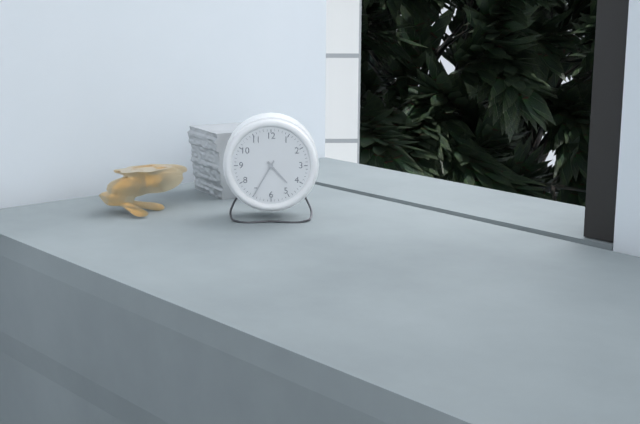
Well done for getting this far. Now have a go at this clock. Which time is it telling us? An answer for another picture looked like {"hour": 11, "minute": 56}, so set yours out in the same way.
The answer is {"hour": 4, "minute": 35}
